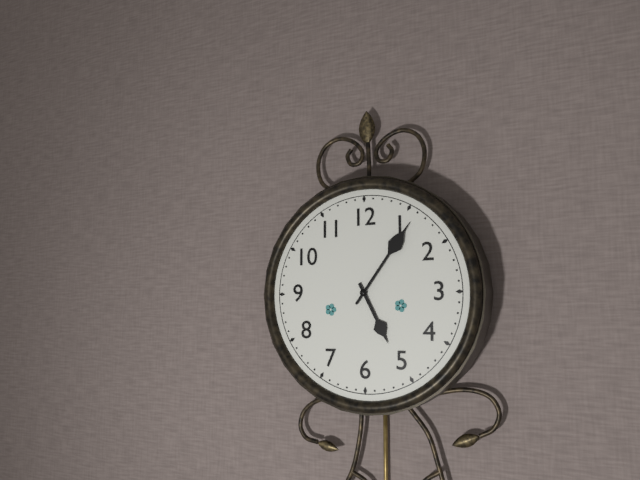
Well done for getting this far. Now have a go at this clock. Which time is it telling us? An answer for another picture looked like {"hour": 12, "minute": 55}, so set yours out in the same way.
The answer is {"hour": 5, "minute": 6}
